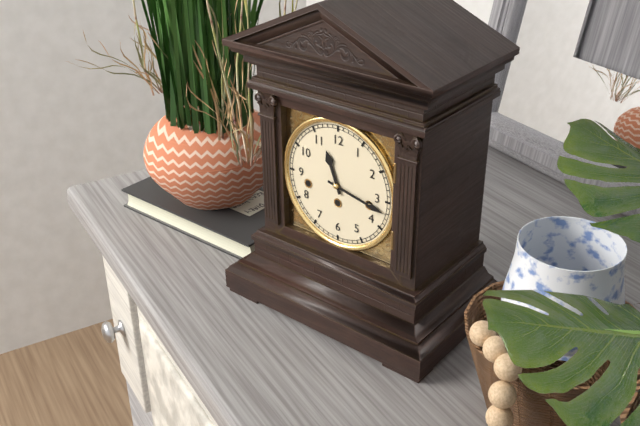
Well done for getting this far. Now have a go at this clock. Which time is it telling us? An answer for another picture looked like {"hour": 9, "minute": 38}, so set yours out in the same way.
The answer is {"hour": 11, "minute": 17}
